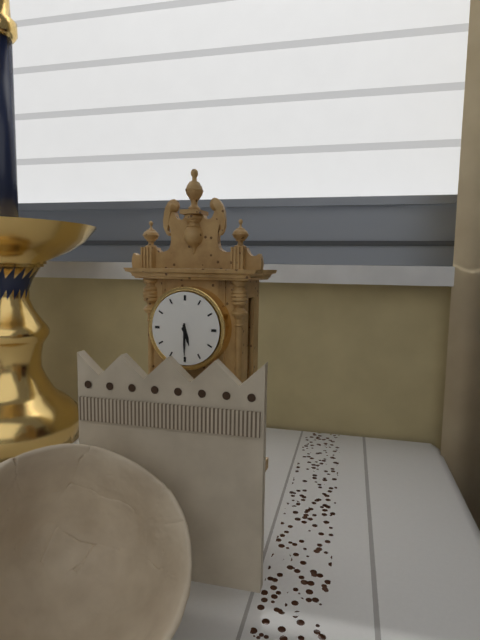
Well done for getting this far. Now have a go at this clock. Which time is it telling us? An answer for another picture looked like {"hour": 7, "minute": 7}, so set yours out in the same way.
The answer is {"hour": 5, "minute": 30}
